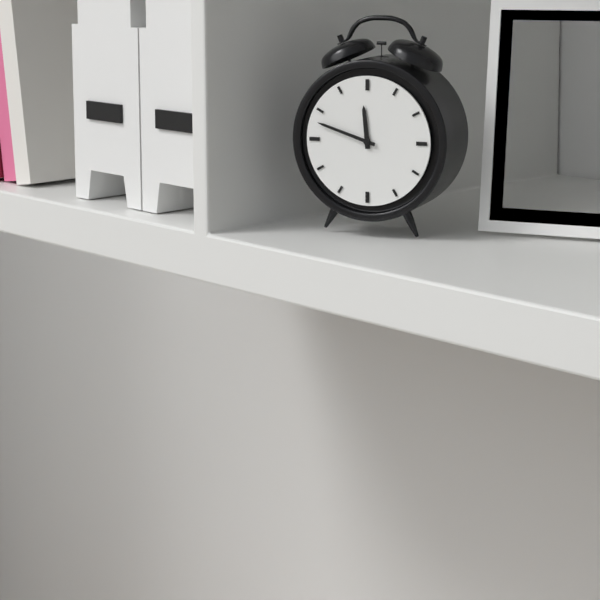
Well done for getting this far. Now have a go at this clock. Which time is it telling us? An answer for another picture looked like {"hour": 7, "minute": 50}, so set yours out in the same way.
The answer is {"hour": 11, "minute": 48}
